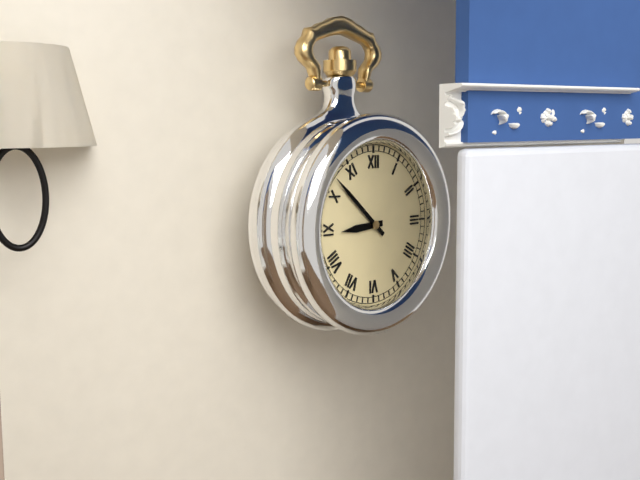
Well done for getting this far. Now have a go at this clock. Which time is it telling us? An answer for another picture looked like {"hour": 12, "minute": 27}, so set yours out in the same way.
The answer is {"hour": 8, "minute": 52}
